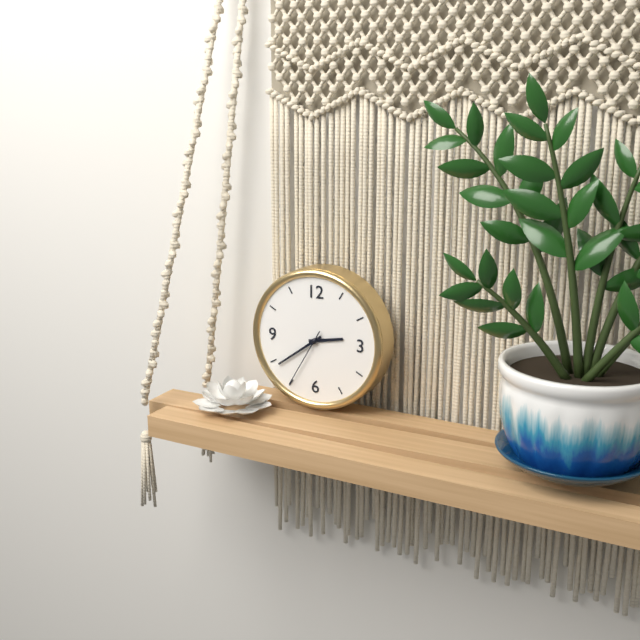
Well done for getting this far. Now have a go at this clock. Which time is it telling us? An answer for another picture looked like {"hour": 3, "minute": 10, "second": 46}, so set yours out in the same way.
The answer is {"hour": 2, "minute": 39, "second": 35}
